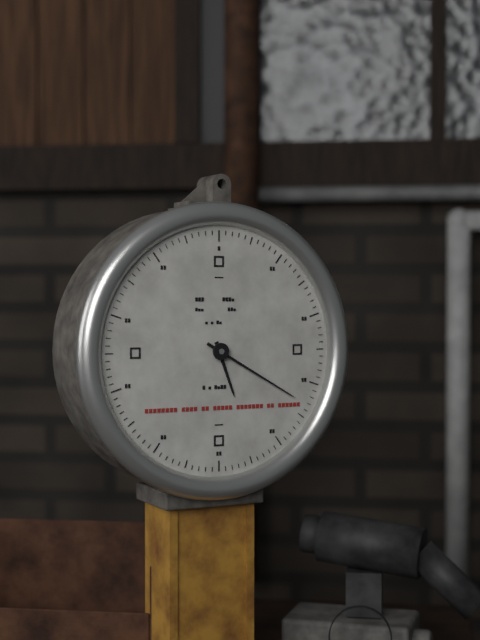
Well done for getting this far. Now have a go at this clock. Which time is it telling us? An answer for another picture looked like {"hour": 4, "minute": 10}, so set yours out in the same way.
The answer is {"hour": 5, "minute": 20}
